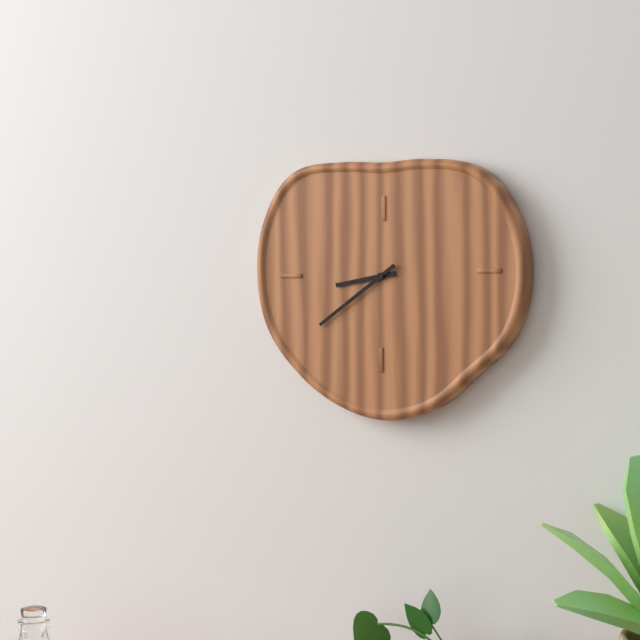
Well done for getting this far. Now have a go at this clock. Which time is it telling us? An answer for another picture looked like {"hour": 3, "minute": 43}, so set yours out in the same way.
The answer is {"hour": 8, "minute": 39}
